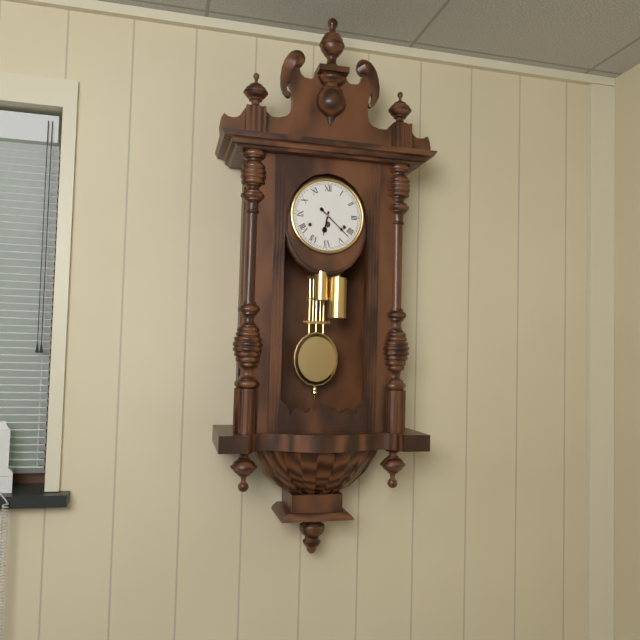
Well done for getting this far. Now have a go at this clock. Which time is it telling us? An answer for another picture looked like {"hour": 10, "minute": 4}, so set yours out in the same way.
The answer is {"hour": 6, "minute": 22}
